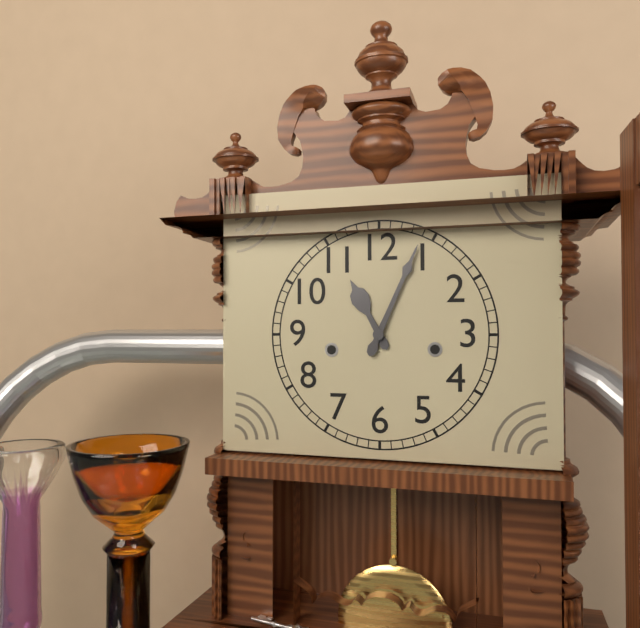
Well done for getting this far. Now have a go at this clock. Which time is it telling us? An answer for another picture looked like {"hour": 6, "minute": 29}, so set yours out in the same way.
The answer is {"hour": 11, "minute": 4}
